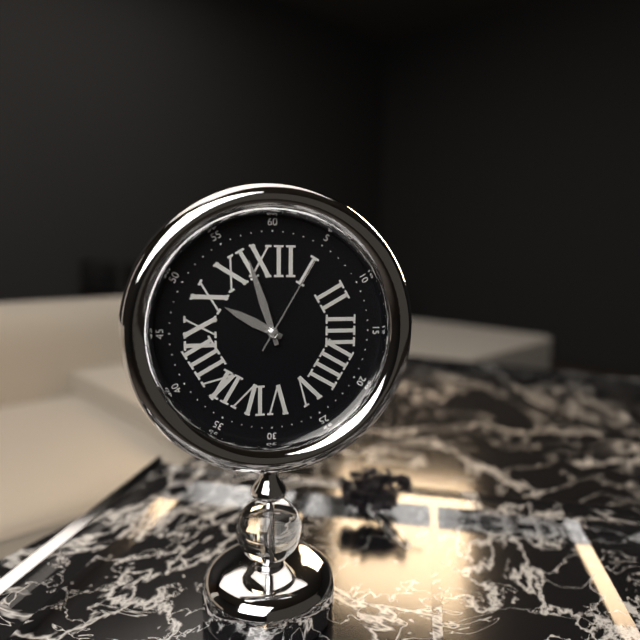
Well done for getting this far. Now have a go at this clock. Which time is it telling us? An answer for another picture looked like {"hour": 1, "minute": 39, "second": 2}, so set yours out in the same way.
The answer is {"hour": 9, "minute": 57, "second": 5}
